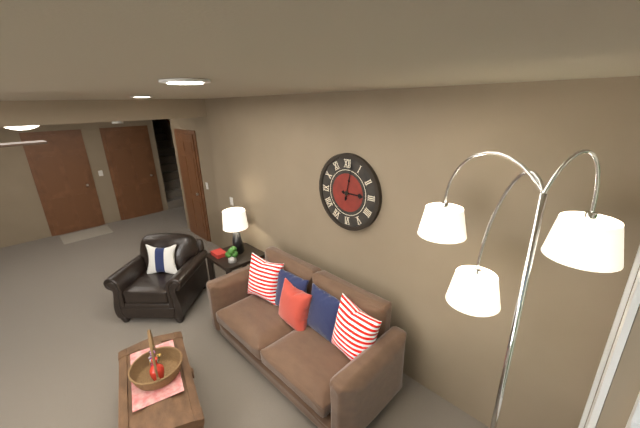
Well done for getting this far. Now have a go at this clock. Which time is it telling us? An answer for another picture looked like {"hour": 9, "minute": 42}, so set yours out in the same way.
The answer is {"hour": 3, "minute": 2}
